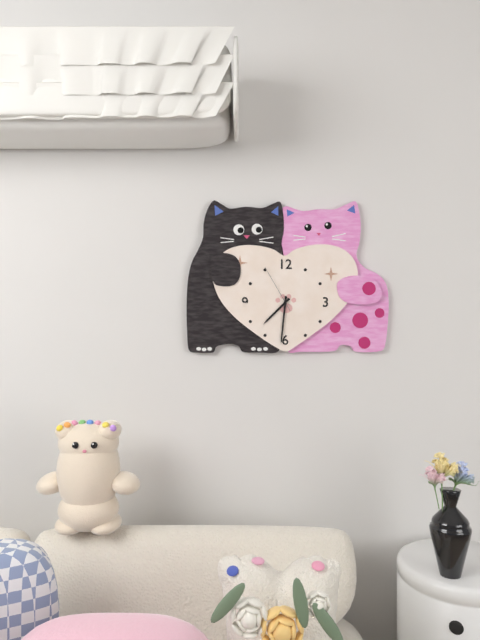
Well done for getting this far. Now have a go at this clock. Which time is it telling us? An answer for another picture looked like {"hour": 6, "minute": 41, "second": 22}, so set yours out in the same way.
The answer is {"hour": 7, "minute": 31, "second": 55}
